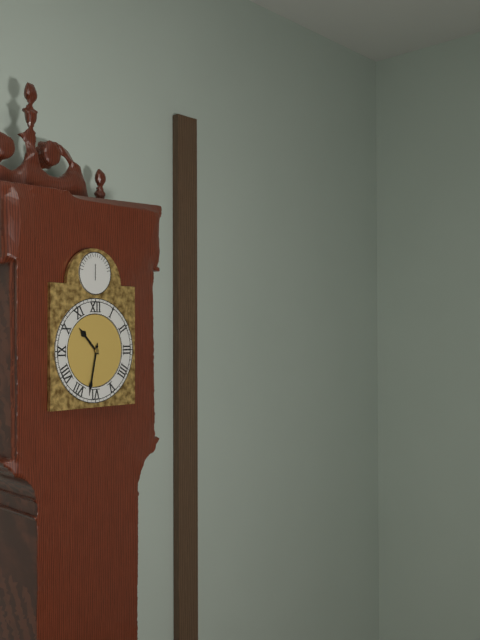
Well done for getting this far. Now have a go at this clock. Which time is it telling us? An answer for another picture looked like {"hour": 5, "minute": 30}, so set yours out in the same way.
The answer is {"hour": 10, "minute": 32}
